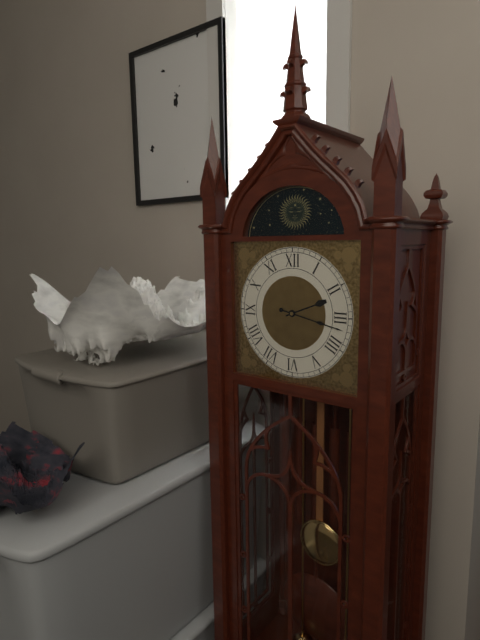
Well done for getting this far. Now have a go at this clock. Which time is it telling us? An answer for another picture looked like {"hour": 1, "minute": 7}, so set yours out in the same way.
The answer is {"hour": 2, "minute": 17}
